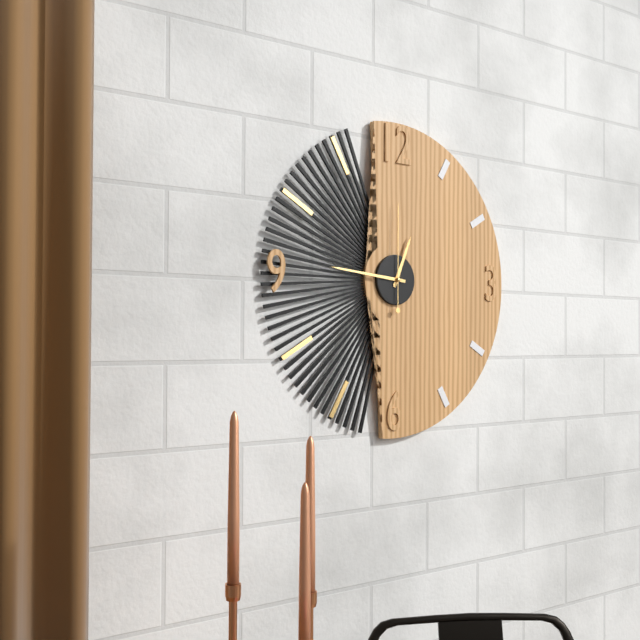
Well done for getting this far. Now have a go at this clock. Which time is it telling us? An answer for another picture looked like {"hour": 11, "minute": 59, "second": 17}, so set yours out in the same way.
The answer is {"hour": 12, "minute": 46, "second": 0}
